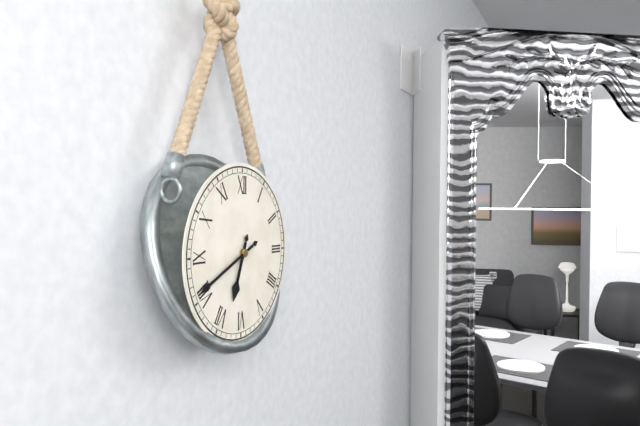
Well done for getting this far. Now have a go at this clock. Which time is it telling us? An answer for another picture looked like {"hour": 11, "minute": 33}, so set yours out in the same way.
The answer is {"hour": 6, "minute": 41}
